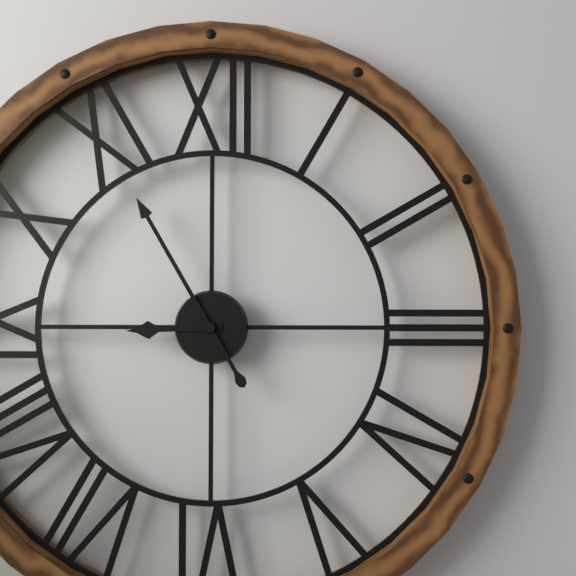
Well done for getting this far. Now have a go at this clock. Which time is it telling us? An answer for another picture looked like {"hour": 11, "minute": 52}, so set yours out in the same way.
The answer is {"hour": 8, "minute": 55}
